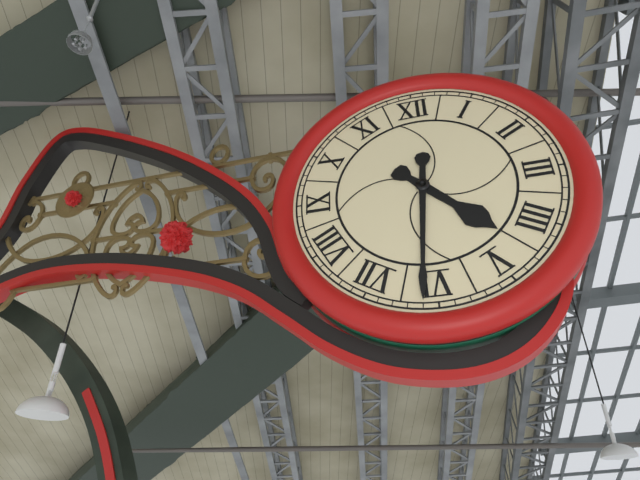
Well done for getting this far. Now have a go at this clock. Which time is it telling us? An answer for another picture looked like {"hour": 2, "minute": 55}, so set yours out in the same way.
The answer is {"hour": 4, "minute": 31}
